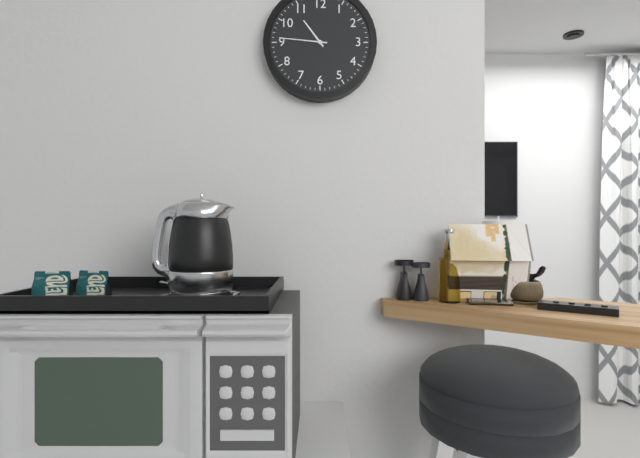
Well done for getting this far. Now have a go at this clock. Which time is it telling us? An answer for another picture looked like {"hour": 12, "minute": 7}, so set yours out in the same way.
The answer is {"hour": 10, "minute": 46}
